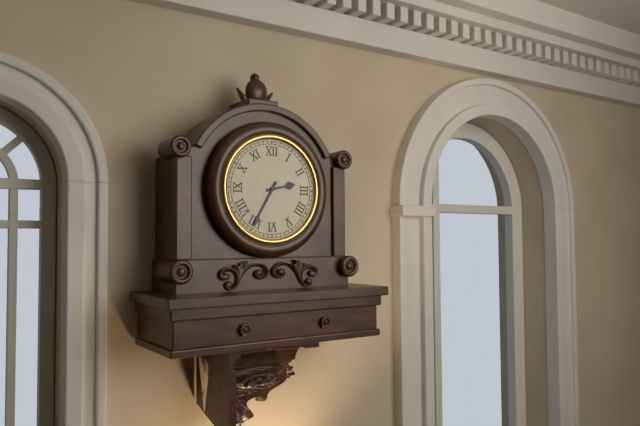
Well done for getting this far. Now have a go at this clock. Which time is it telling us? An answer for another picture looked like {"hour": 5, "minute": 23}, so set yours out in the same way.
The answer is {"hour": 2, "minute": 35}
